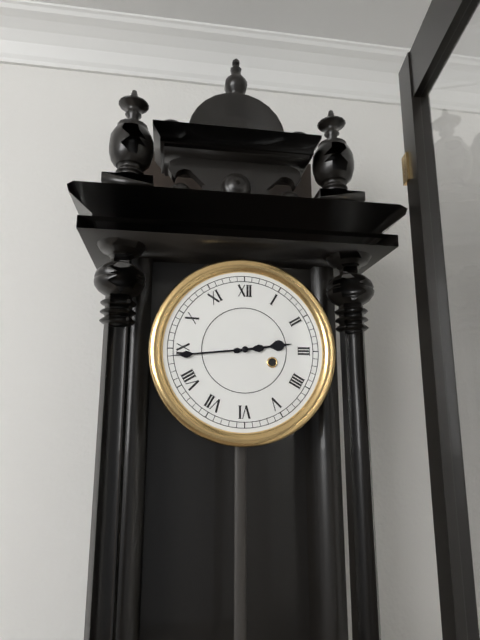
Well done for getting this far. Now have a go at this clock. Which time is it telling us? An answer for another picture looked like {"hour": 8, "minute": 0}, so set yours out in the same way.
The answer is {"hour": 2, "minute": 44}
